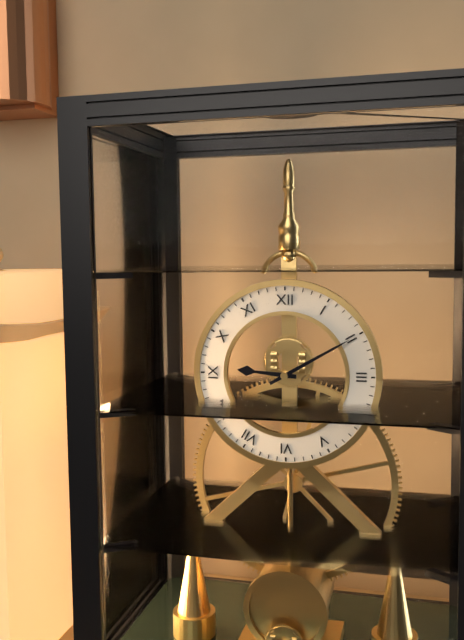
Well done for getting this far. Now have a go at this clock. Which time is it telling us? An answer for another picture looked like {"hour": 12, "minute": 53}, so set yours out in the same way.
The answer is {"hour": 9, "minute": 10}
